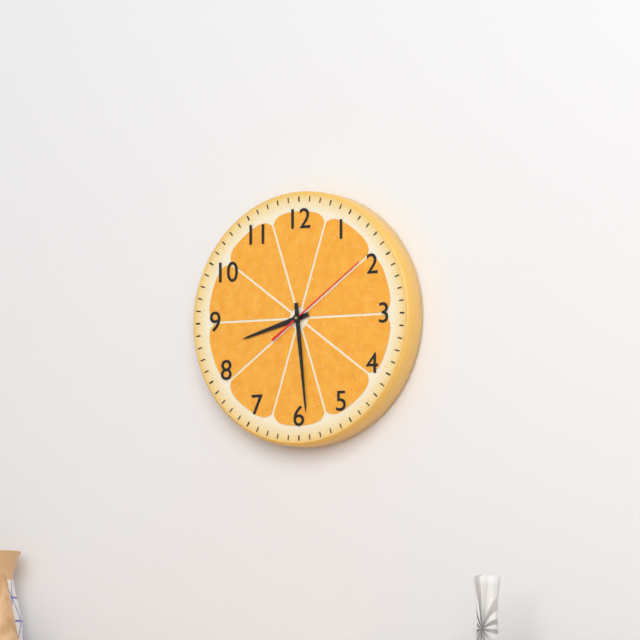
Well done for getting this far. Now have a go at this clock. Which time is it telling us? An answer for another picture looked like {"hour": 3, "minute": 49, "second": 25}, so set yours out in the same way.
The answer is {"hour": 8, "minute": 29, "second": 9}
